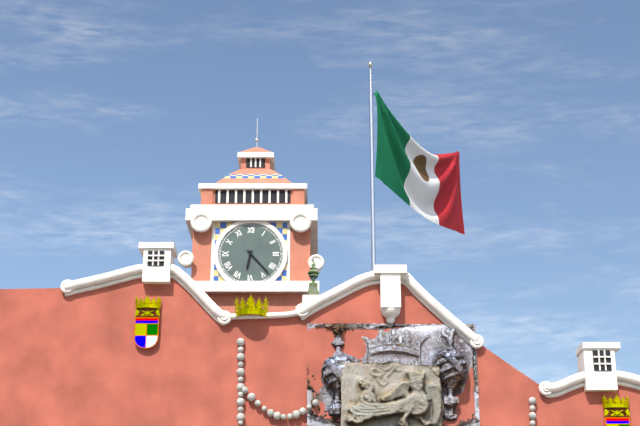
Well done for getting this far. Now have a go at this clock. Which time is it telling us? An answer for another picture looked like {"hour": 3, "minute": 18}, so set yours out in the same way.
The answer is {"hour": 6, "minute": 23}
